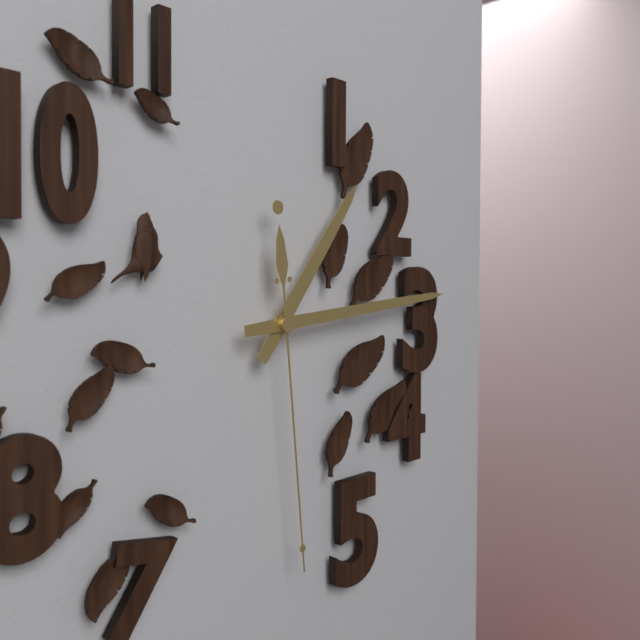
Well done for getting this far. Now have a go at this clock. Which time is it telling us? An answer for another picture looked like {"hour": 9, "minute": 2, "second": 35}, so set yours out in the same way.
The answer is {"hour": 1, "minute": 14, "second": 29}
